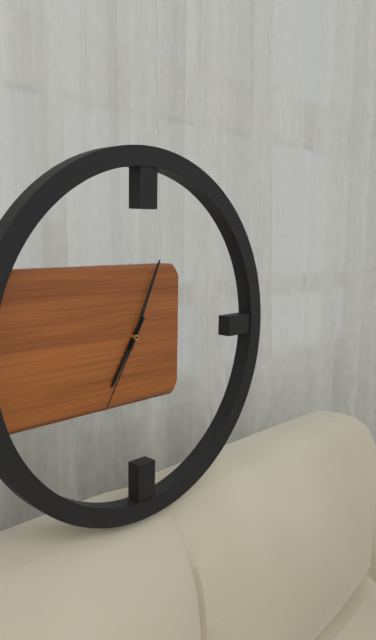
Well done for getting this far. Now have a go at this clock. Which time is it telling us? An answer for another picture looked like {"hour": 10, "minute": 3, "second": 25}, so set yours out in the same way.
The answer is {"hour": 7, "minute": 4, "second": 35}
